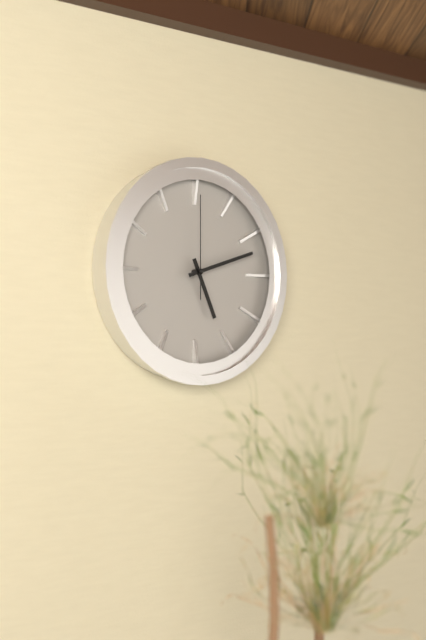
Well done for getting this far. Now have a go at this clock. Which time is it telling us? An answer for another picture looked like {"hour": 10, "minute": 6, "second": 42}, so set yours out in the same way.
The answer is {"hour": 5, "minute": 12, "second": 0}
